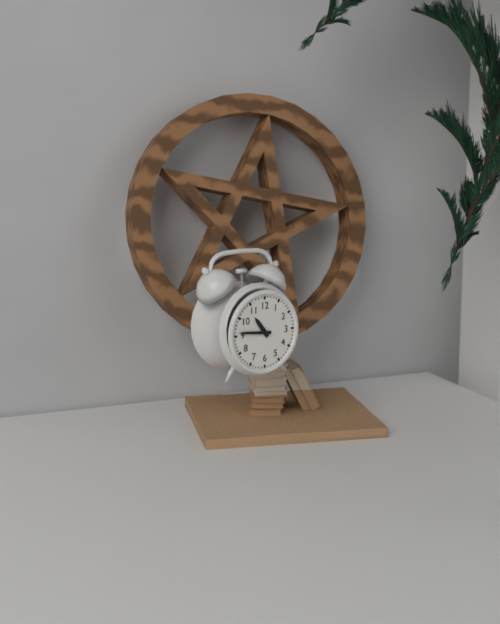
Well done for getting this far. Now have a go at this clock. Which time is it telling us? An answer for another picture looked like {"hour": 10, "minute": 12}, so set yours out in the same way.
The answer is {"hour": 10, "minute": 46}
